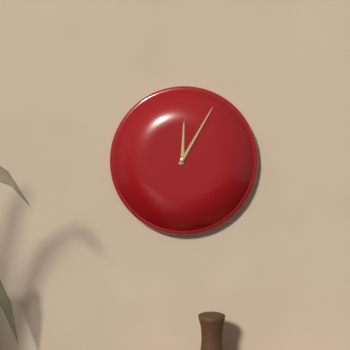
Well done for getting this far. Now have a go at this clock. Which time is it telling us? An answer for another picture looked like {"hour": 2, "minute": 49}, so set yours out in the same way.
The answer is {"hour": 12, "minute": 5}
